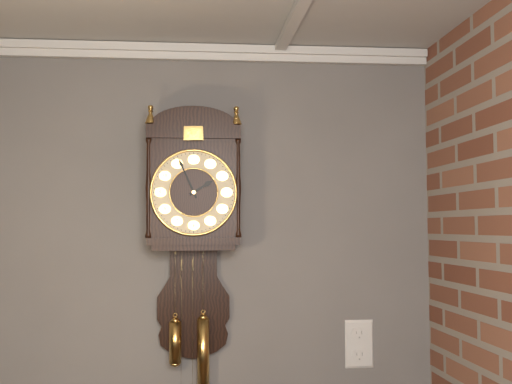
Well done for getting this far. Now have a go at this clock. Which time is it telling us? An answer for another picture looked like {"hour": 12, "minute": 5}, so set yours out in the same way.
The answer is {"hour": 1, "minute": 56}
